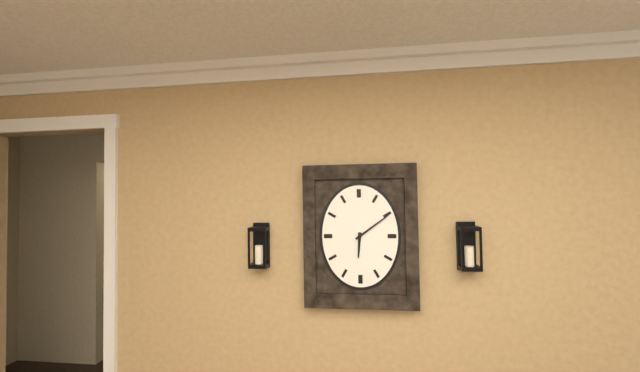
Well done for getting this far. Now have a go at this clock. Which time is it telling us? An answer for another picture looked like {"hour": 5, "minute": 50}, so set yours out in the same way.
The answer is {"hour": 6, "minute": 9}
